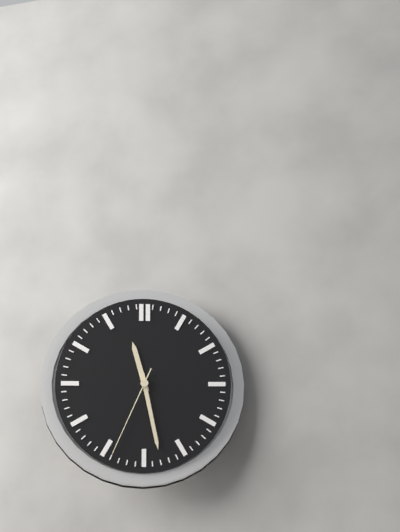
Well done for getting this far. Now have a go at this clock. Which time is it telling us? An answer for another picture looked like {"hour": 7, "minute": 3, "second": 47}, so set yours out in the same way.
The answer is {"hour": 11, "minute": 28, "second": 34}
